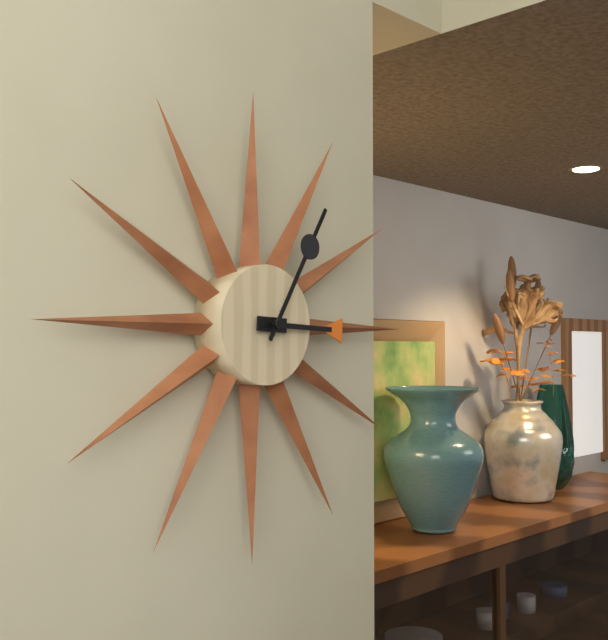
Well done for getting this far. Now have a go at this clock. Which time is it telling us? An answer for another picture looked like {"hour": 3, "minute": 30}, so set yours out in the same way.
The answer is {"hour": 3, "minute": 5}
